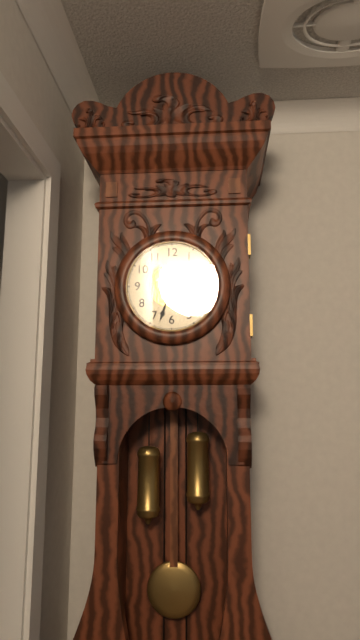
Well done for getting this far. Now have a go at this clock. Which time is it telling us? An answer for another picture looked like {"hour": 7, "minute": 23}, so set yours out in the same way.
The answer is {"hour": 11, "minute": 33}
